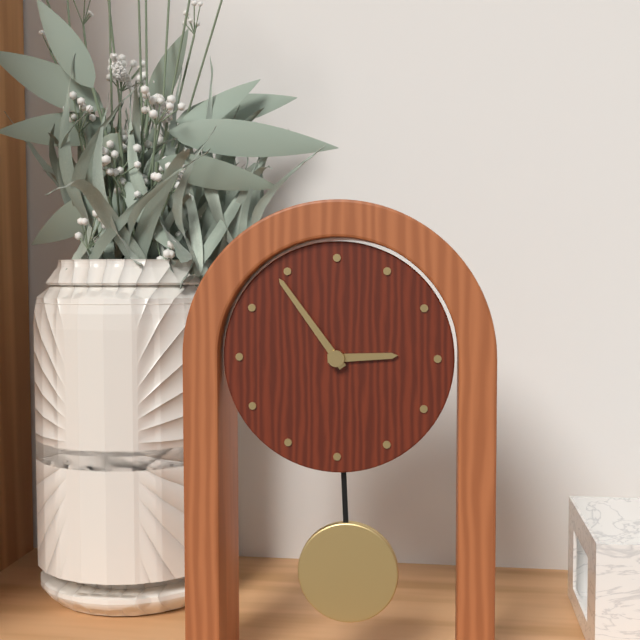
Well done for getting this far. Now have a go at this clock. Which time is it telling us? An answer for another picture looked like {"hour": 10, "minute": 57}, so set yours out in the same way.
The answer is {"hour": 2, "minute": 54}
